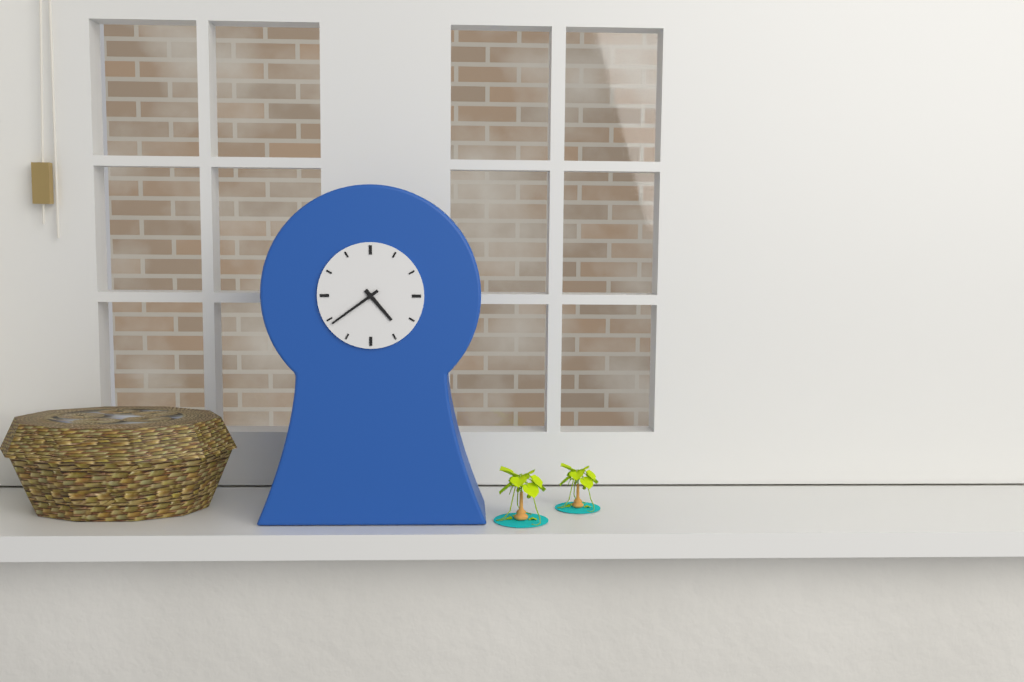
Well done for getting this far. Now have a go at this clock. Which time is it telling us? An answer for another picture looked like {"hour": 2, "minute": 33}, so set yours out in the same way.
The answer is {"hour": 4, "minute": 39}
